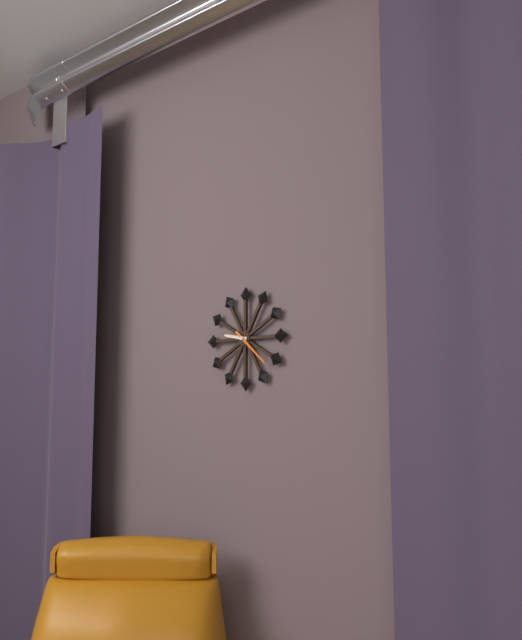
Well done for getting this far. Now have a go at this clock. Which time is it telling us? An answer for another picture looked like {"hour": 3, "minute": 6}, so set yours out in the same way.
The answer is {"hour": 9, "minute": 22}
